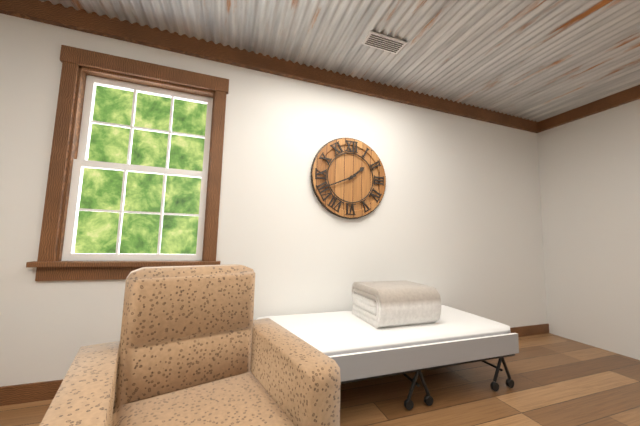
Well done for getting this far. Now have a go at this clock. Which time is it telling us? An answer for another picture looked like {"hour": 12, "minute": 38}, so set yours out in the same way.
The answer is {"hour": 1, "minute": 41}
